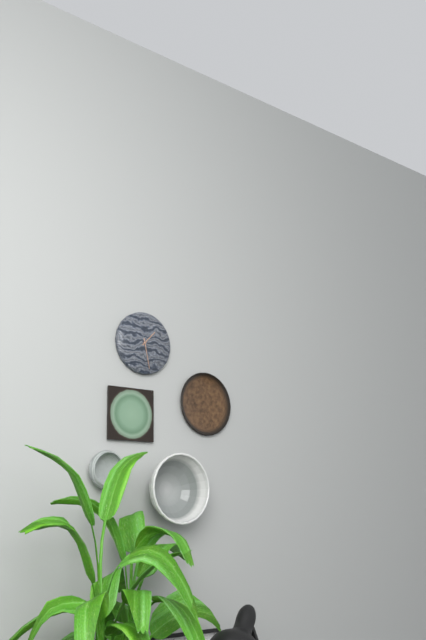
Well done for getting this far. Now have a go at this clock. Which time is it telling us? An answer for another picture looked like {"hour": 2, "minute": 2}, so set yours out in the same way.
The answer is {"hour": 1, "minute": 28}
